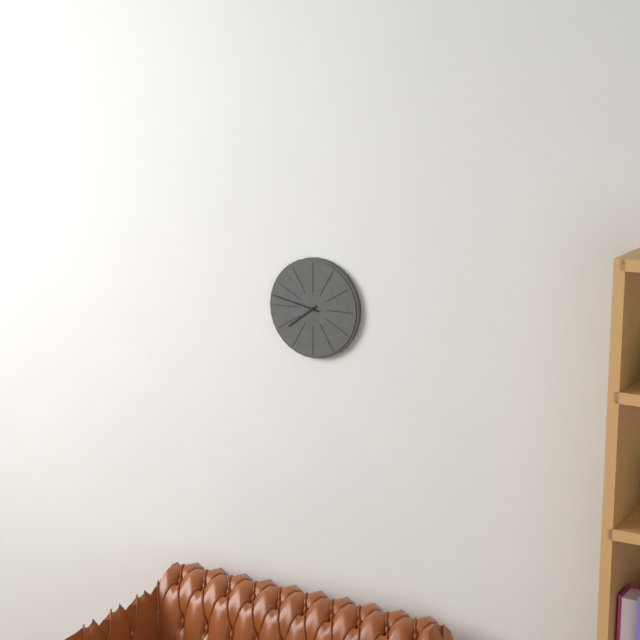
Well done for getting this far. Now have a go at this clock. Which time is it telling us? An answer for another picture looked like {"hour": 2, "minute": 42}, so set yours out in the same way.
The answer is {"hour": 7, "minute": 47}
